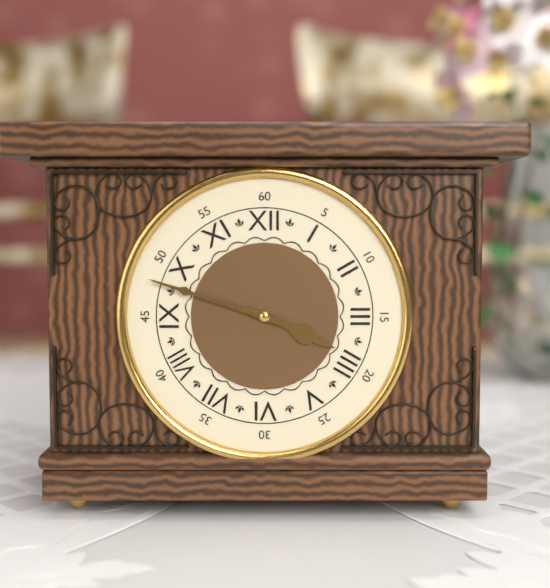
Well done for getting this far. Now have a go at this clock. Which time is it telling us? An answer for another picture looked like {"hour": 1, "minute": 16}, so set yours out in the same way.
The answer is {"hour": 3, "minute": 48}
